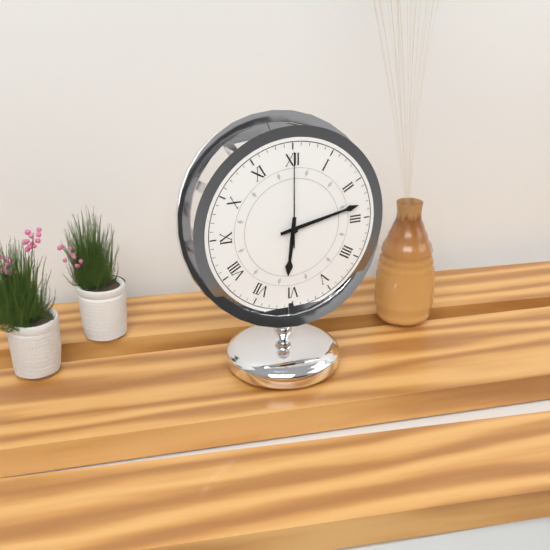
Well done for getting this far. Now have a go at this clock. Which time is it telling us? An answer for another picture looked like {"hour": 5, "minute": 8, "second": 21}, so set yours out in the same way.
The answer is {"hour": 6, "minute": 13, "second": 0}
